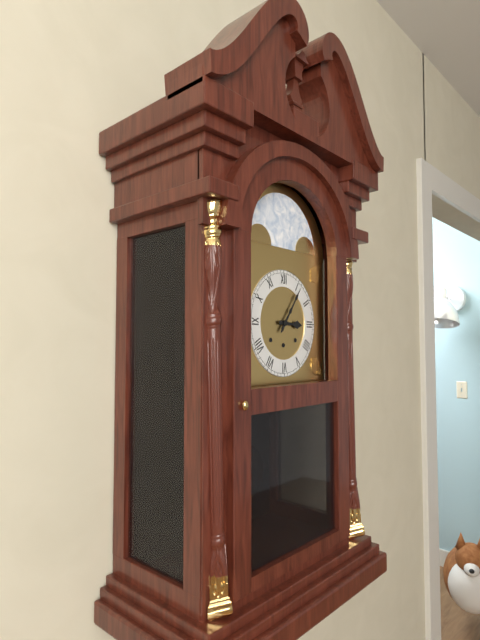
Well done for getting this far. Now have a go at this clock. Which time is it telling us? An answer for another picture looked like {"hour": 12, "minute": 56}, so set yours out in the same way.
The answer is {"hour": 3, "minute": 6}
